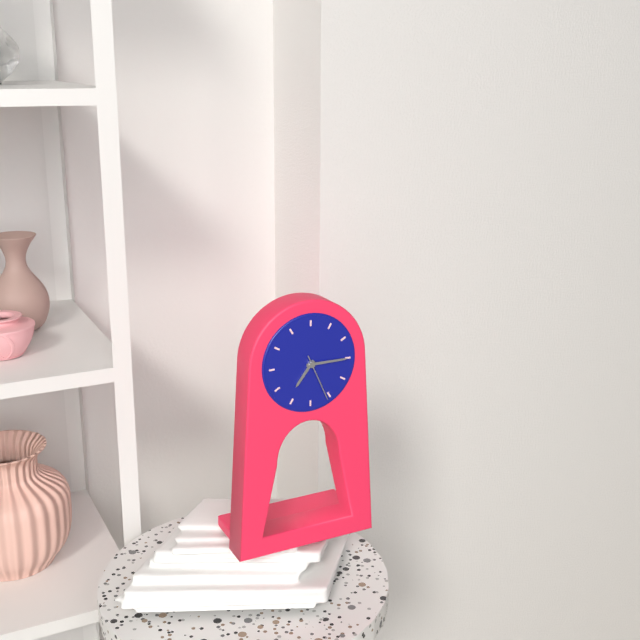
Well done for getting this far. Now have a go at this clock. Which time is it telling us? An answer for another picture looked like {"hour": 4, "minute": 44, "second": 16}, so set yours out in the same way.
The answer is {"hour": 7, "minute": 15, "second": 26}
